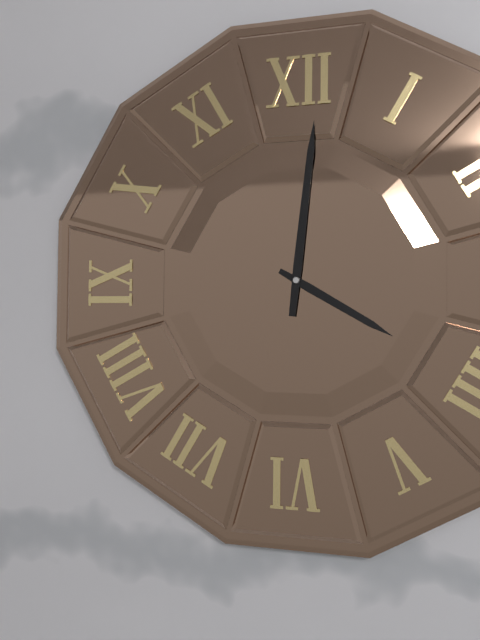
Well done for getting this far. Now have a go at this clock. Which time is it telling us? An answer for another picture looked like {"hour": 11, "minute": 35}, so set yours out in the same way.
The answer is {"hour": 4, "minute": 1}
